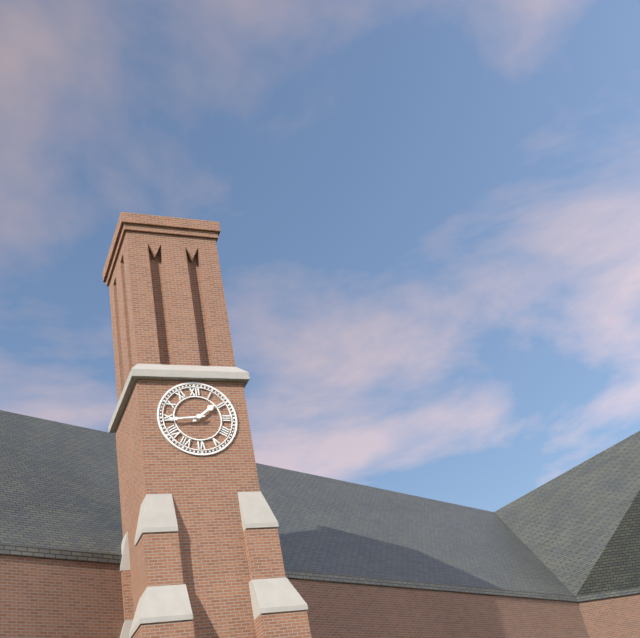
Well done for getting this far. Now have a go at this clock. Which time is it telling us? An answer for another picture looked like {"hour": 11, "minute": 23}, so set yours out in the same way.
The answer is {"hour": 1, "minute": 44}
